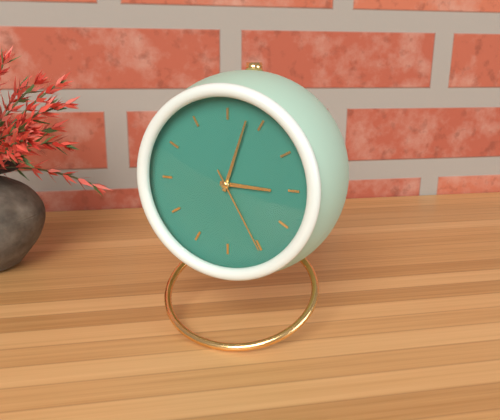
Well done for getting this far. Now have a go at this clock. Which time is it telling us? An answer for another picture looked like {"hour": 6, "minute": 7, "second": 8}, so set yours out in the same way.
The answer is {"hour": 3, "minute": 3, "second": 25}
